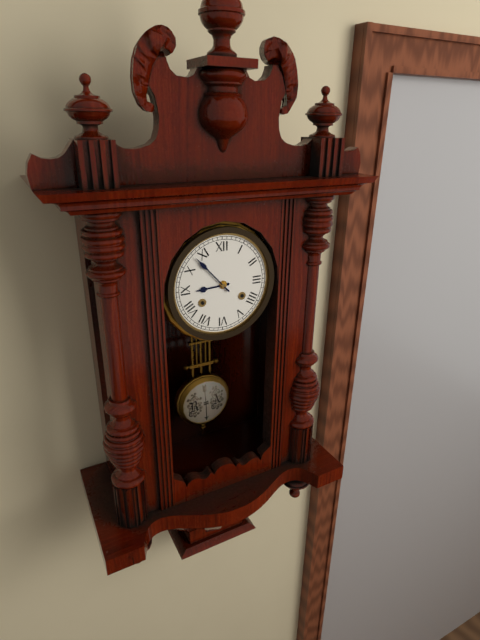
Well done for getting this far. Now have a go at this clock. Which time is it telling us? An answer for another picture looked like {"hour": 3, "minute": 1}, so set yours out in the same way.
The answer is {"hour": 8, "minute": 53}
